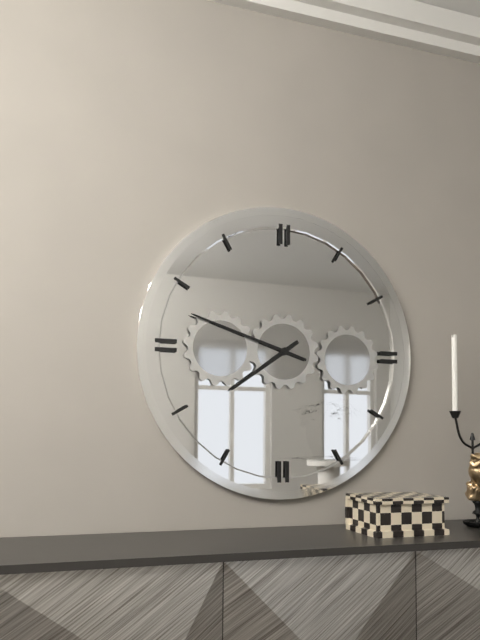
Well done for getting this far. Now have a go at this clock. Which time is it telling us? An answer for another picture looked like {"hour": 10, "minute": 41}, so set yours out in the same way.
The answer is {"hour": 7, "minute": 48}
